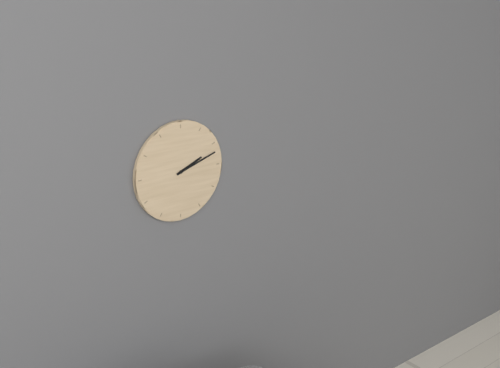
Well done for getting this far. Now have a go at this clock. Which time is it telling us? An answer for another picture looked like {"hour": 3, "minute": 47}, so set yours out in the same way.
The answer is {"hour": 2, "minute": 12}
